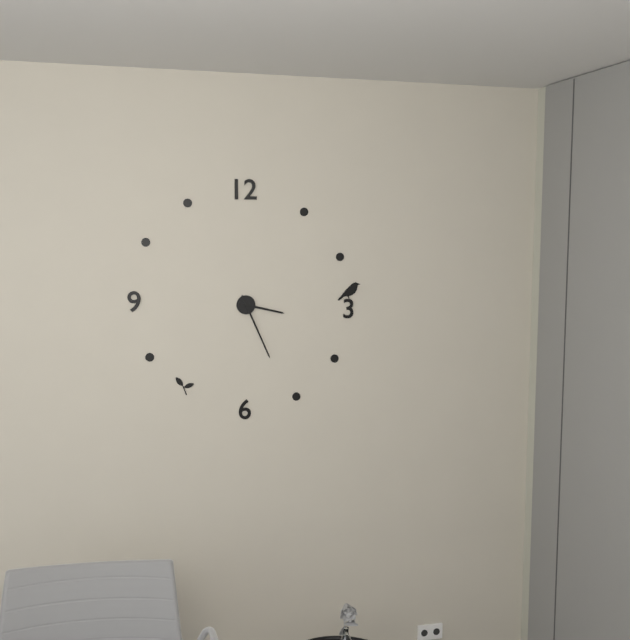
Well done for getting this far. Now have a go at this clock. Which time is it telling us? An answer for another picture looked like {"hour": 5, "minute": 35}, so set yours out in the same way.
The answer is {"hour": 3, "minute": 26}
